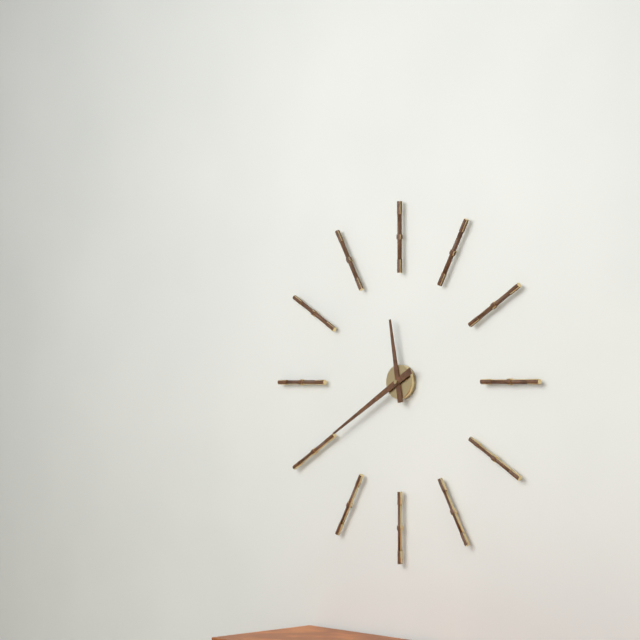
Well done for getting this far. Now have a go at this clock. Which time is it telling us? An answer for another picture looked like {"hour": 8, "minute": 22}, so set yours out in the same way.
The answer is {"hour": 11, "minute": 40}
